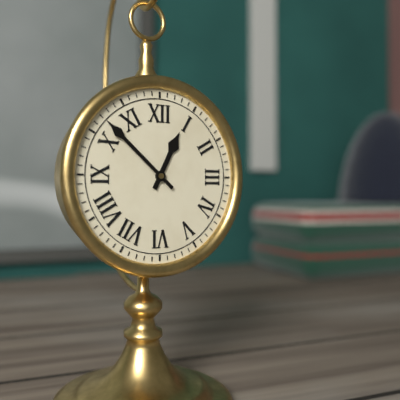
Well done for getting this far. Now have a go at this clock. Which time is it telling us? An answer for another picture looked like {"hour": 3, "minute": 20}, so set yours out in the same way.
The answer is {"hour": 12, "minute": 52}
